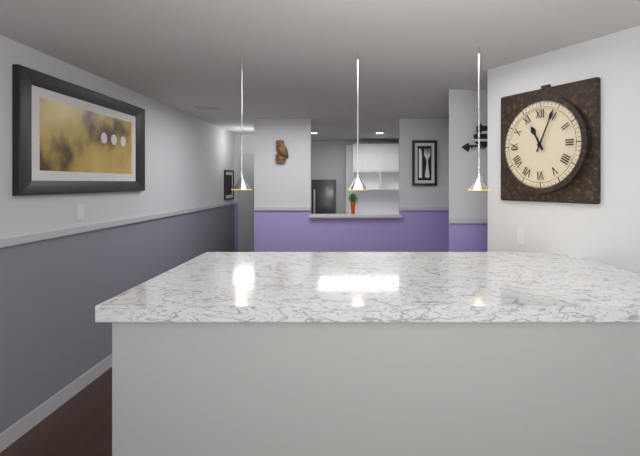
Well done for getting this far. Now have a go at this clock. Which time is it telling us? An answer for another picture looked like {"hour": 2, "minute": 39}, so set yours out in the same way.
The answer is {"hour": 11, "minute": 4}
